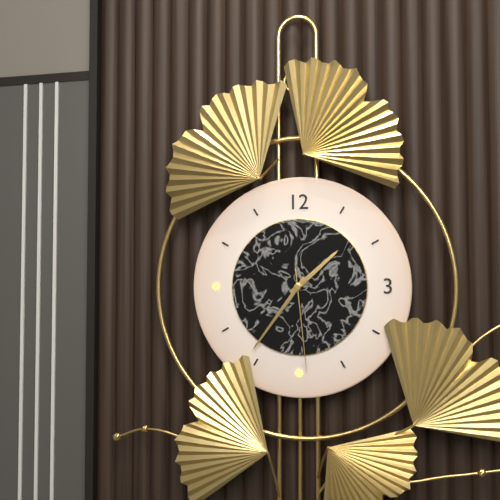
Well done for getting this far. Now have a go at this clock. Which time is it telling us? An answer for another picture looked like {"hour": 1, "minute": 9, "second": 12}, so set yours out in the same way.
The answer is {"hour": 1, "minute": 36, "second": 29}
